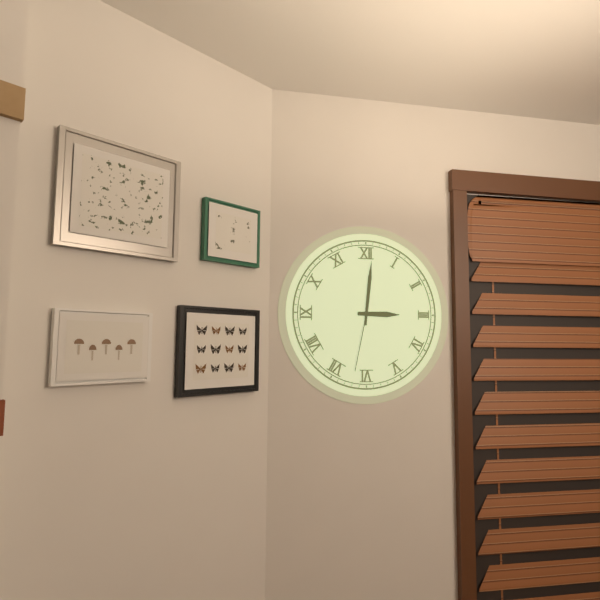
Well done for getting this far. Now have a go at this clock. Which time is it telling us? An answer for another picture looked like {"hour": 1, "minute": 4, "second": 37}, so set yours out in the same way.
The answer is {"hour": 3, "minute": 1, "second": 32}
